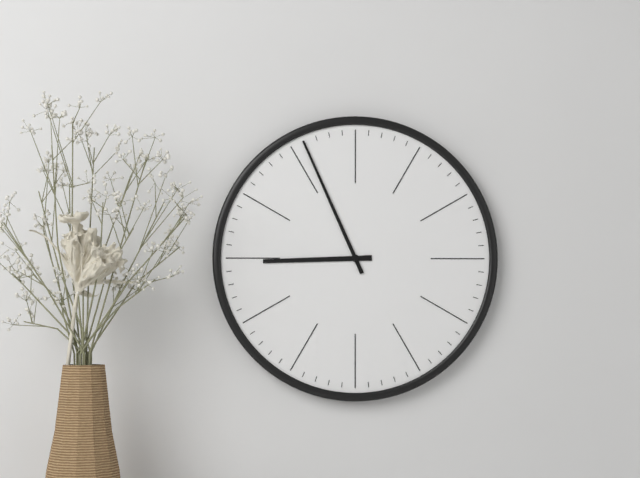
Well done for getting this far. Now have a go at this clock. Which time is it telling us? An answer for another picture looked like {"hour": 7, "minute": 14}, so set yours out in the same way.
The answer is {"hour": 8, "minute": 56}
